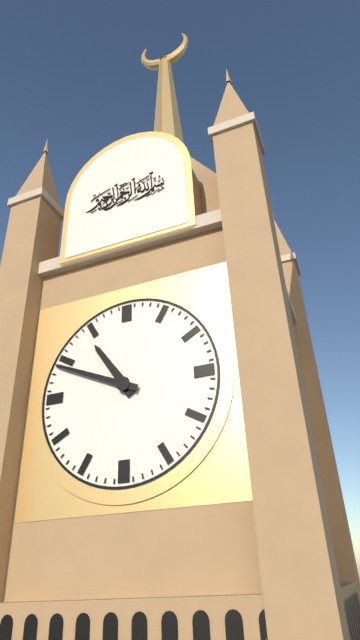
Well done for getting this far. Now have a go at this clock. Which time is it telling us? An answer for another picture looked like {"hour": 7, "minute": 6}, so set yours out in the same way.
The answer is {"hour": 10, "minute": 49}
